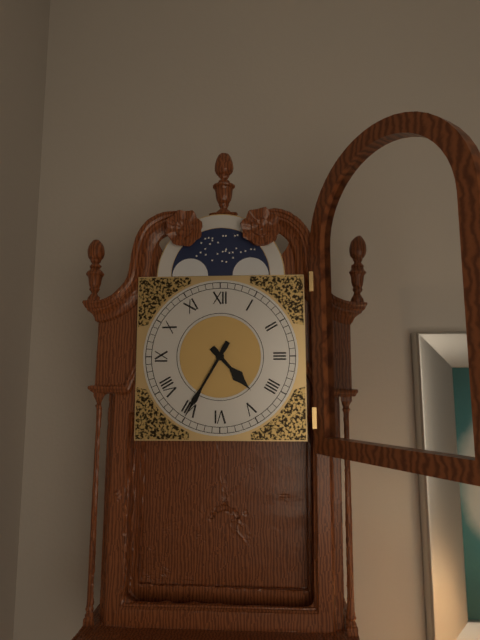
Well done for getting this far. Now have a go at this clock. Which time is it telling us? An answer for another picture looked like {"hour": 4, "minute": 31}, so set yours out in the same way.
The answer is {"hour": 4, "minute": 35}
